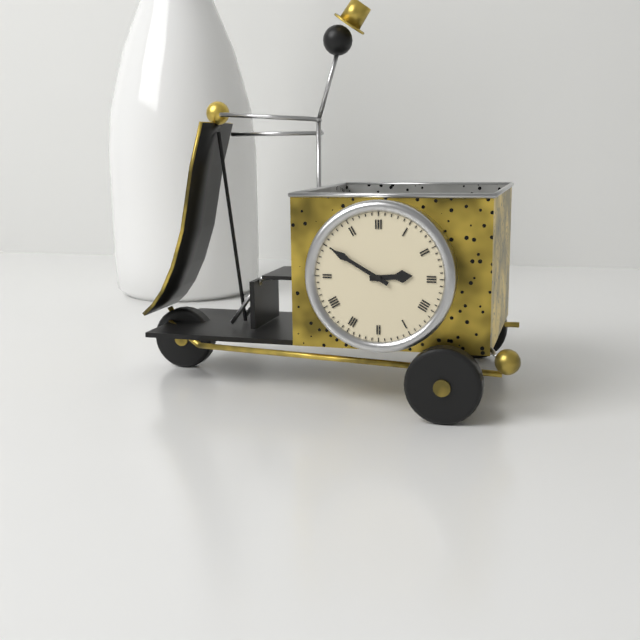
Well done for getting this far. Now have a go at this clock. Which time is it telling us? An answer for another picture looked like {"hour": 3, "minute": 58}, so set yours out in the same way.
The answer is {"hour": 2, "minute": 50}
